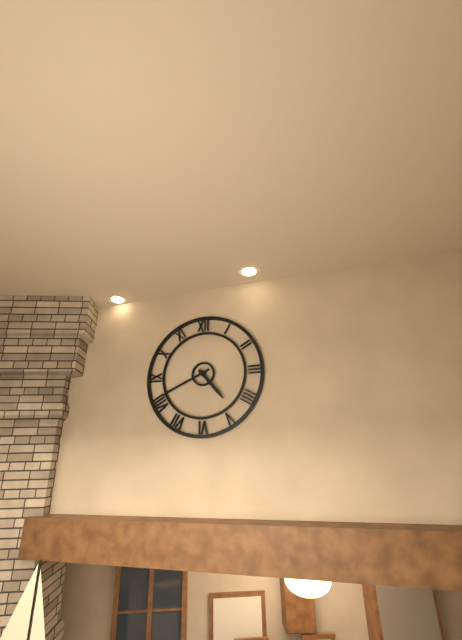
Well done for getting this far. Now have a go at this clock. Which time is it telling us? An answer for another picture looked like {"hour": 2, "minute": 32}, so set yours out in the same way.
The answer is {"hour": 4, "minute": 41}
